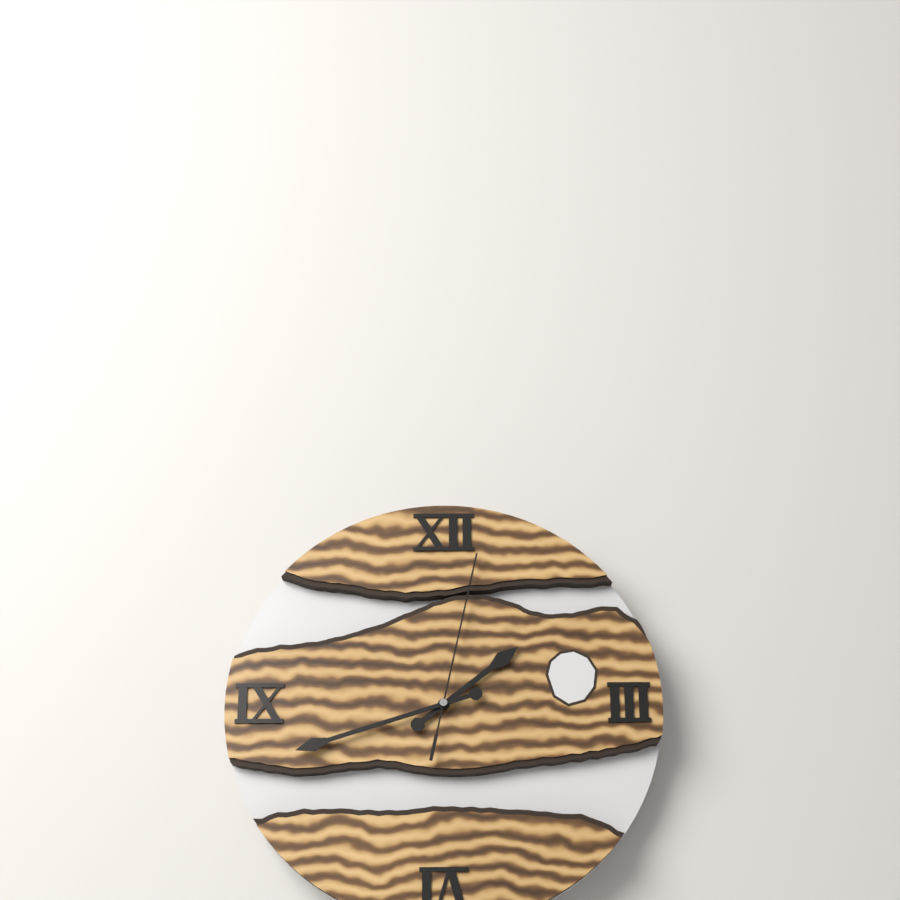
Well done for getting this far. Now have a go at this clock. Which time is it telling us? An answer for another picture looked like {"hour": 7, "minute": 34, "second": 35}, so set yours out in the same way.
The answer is {"hour": 1, "minute": 42, "second": 2}
